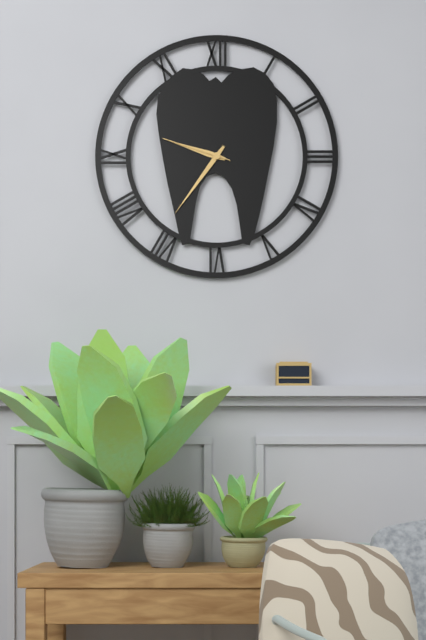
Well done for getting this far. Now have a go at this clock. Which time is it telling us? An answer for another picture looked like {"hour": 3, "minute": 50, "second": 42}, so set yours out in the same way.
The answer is {"hour": 9, "minute": 36, "second": 48}
